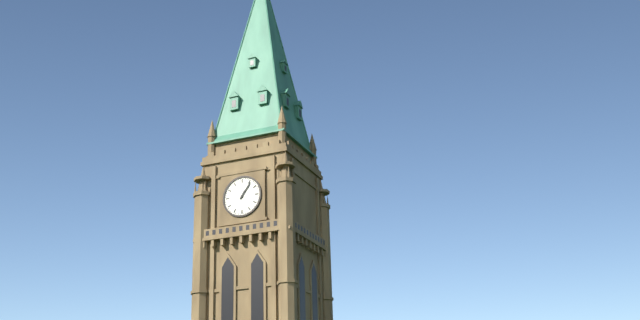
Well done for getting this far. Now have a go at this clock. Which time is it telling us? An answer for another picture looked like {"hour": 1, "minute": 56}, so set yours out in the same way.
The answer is {"hour": 1, "minute": 6}
